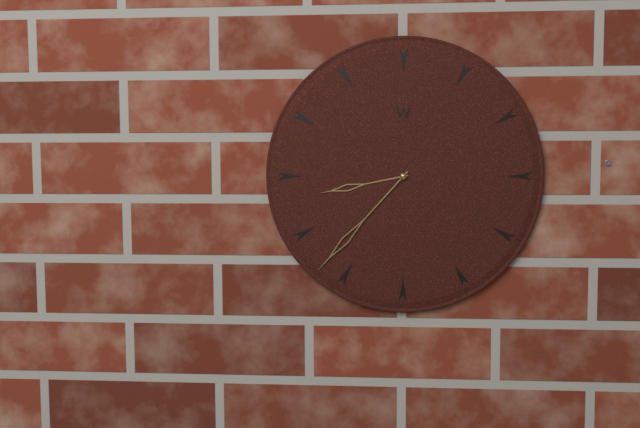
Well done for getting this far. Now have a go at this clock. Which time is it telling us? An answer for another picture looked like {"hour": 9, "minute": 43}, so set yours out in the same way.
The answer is {"hour": 8, "minute": 37}
